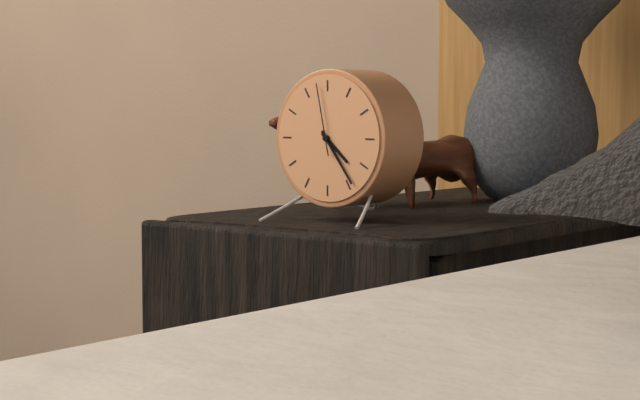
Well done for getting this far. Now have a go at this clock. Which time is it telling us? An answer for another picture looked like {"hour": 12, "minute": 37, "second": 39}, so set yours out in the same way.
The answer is {"hour": 4, "minute": 24, "second": 58}
